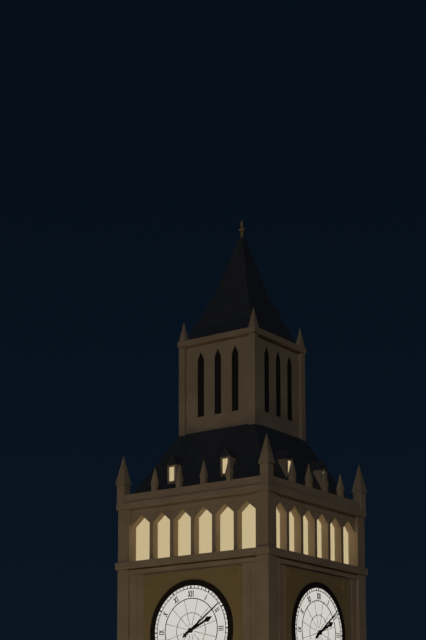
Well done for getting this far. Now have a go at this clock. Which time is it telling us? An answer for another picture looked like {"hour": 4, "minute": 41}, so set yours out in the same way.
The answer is {"hour": 2, "minute": 9}
